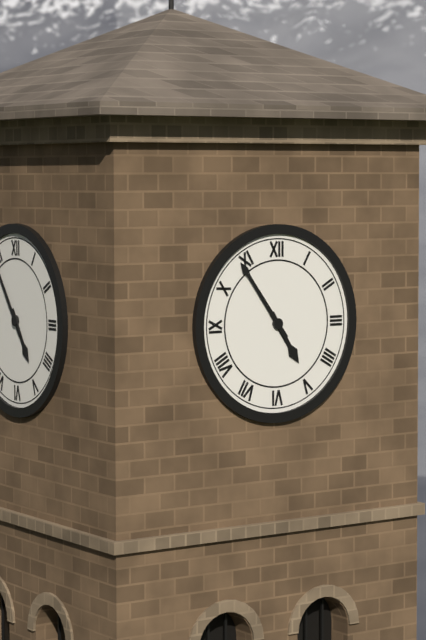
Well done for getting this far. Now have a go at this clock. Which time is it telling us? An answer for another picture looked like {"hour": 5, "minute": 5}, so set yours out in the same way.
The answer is {"hour": 4, "minute": 54}
